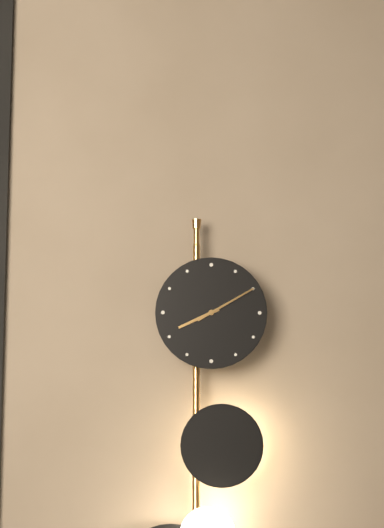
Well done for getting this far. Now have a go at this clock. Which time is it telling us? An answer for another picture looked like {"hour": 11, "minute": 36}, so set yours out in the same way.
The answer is {"hour": 8, "minute": 10}
